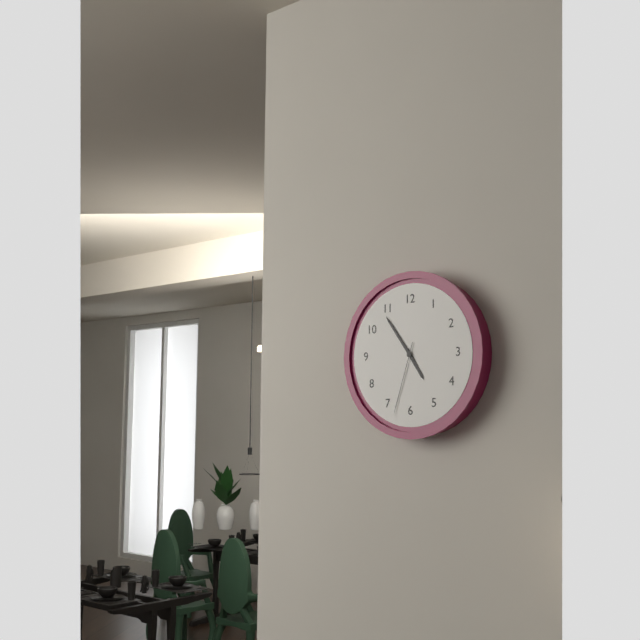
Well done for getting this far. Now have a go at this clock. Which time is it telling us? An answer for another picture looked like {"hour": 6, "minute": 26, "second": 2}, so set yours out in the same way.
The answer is {"hour": 4, "minute": 54, "second": 33}
